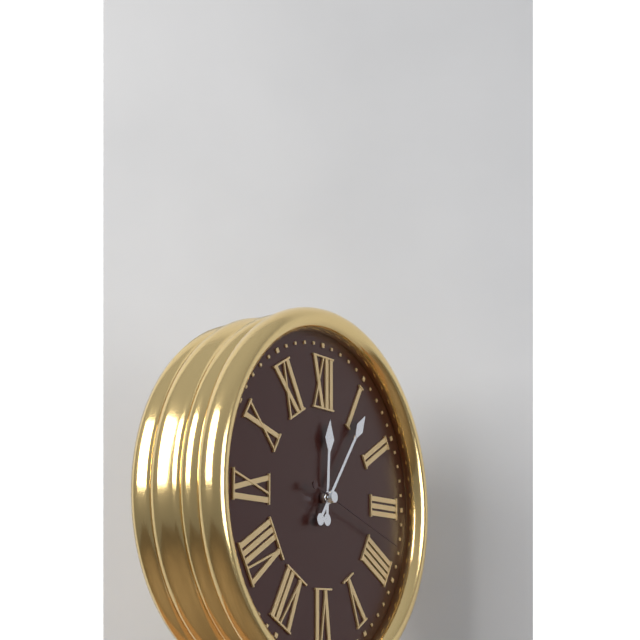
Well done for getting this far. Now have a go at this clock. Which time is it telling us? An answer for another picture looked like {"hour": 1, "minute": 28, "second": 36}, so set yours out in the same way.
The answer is {"hour": 12, "minute": 6, "second": 18}
